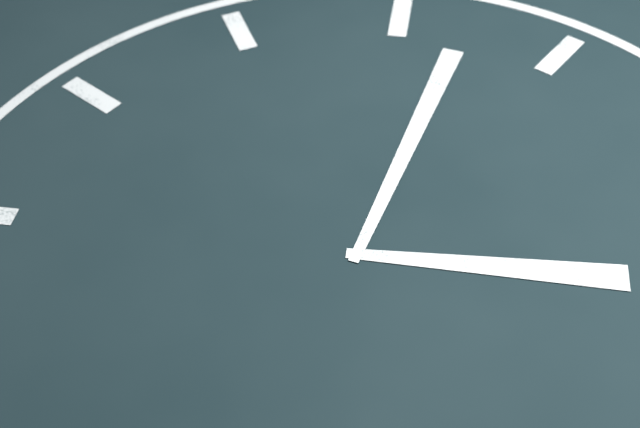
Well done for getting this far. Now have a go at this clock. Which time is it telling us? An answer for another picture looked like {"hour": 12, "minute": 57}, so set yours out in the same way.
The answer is {"hour": 1, "minute": 57}
